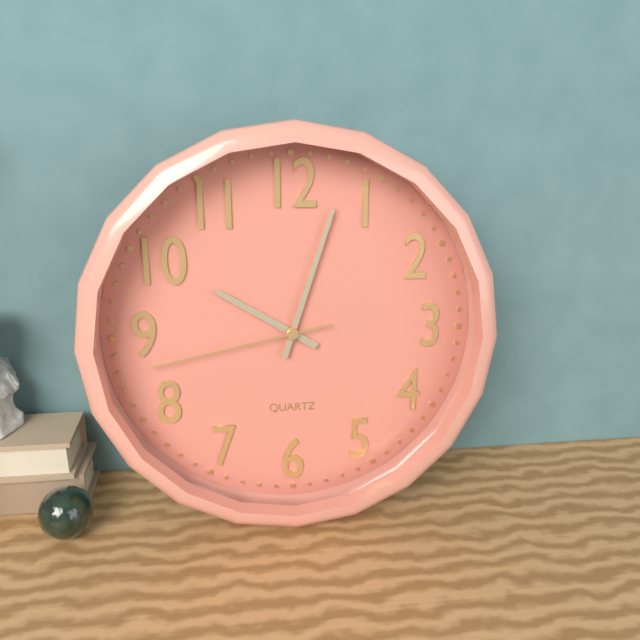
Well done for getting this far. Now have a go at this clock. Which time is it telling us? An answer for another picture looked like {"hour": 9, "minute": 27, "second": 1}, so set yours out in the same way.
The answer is {"hour": 10, "minute": 3, "second": 43}
